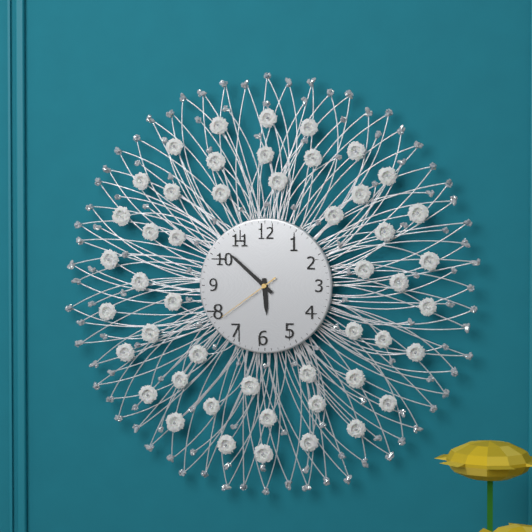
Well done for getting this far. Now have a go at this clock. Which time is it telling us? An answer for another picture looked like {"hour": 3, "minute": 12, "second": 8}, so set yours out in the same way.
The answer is {"hour": 5, "minute": 52, "second": 39}
